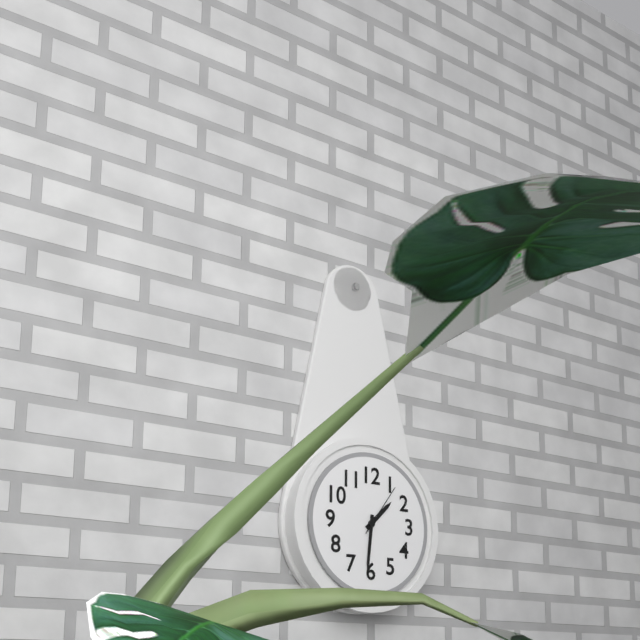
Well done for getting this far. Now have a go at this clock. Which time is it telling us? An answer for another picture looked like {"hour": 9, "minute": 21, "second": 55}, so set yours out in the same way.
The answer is {"hour": 1, "minute": 31, "second": 6}
